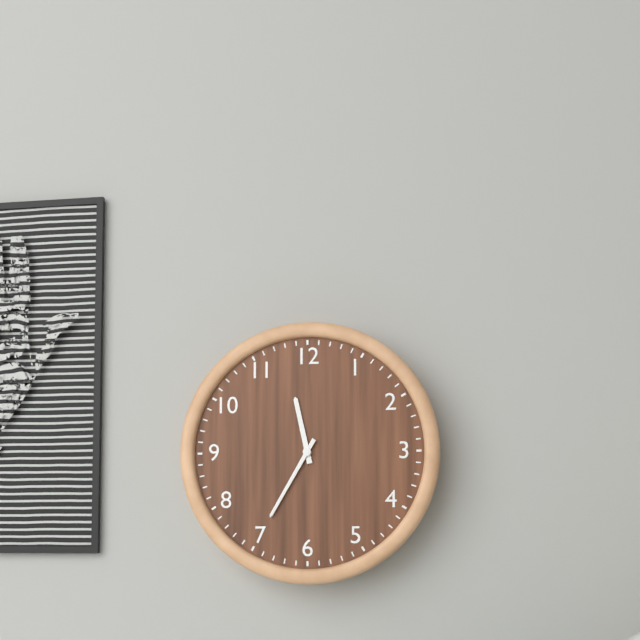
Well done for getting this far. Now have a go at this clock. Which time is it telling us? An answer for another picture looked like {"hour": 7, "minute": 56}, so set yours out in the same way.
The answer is {"hour": 11, "minute": 35}
